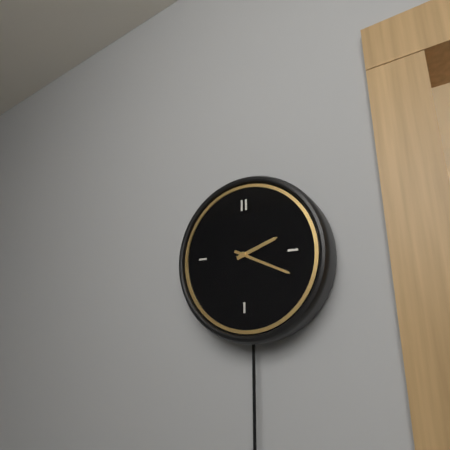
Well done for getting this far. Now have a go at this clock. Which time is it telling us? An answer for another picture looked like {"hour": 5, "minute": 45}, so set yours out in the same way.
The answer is {"hour": 2, "minute": 19}
